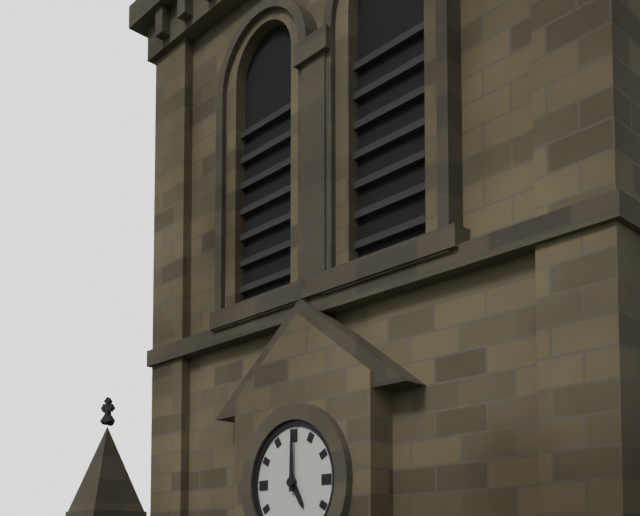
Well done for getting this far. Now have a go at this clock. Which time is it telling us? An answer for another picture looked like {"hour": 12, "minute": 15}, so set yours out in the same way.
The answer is {"hour": 5, "minute": 0}
